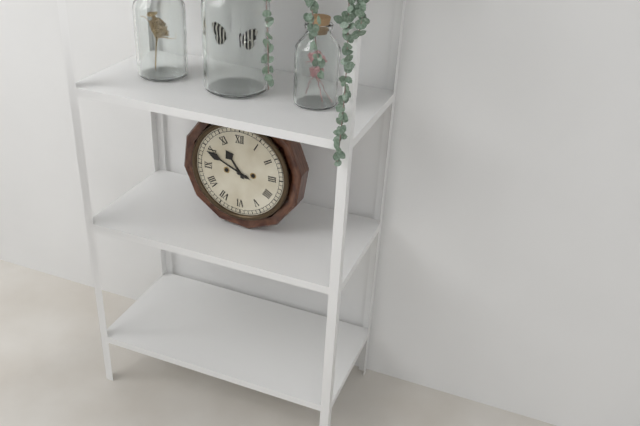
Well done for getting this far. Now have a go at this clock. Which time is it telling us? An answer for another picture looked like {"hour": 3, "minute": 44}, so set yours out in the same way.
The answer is {"hour": 10, "minute": 49}
